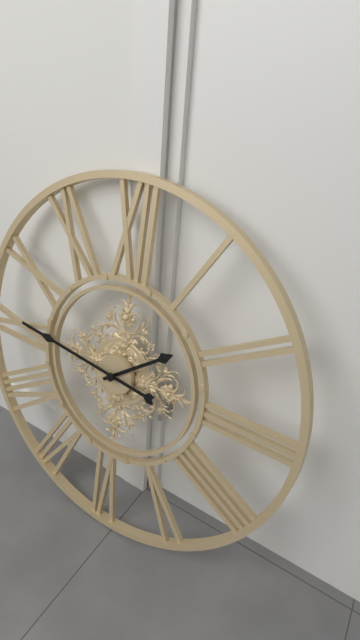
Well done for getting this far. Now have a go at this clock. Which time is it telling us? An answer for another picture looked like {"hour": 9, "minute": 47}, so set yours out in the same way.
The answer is {"hour": 1, "minute": 46}
